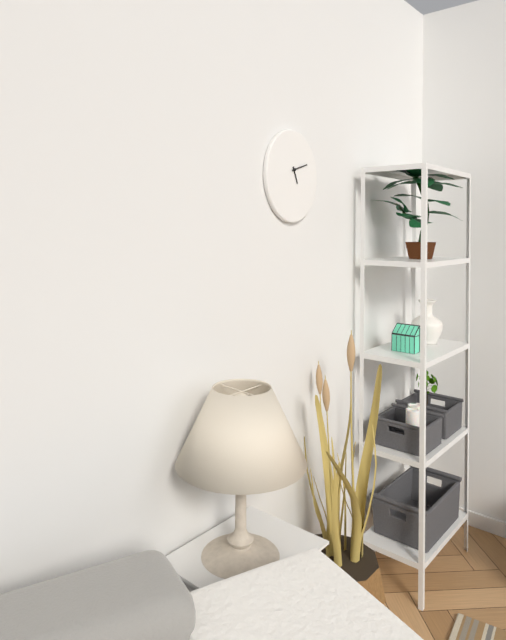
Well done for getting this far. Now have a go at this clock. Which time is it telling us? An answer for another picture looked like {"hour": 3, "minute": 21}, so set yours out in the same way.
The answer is {"hour": 5, "minute": 12}
